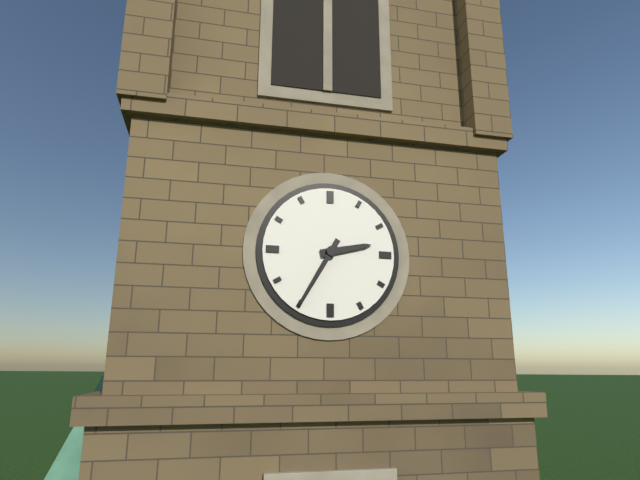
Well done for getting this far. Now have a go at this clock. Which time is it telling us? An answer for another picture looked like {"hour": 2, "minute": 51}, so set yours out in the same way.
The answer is {"hour": 2, "minute": 35}
